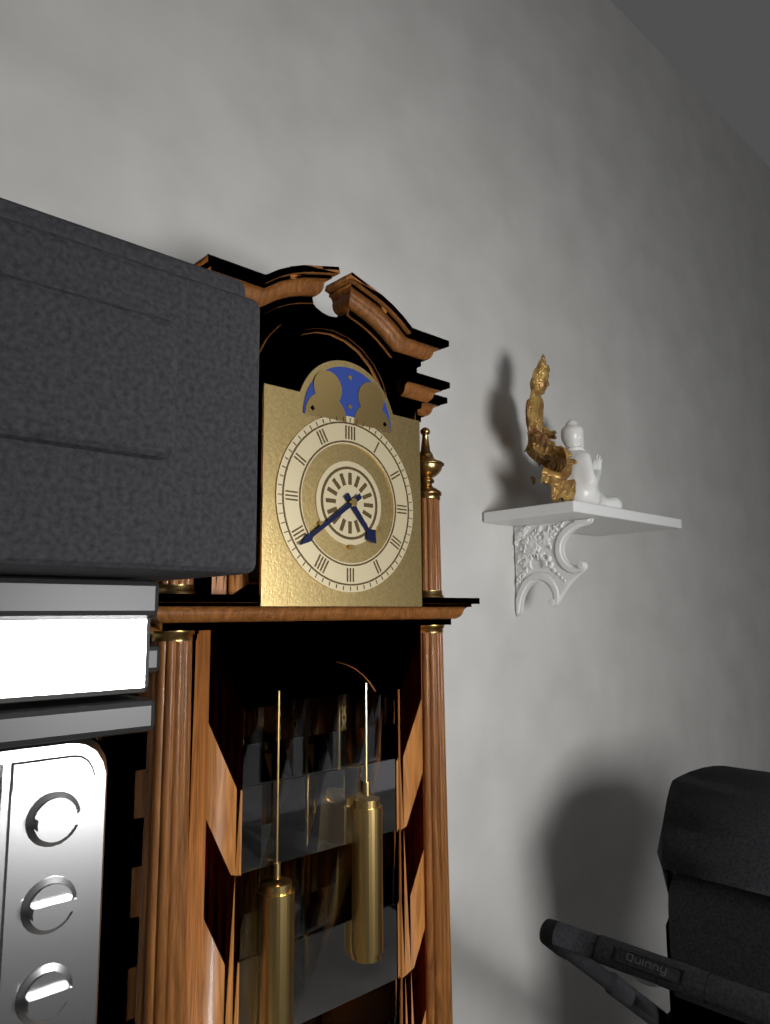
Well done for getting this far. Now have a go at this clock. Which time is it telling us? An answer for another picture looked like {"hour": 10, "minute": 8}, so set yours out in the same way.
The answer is {"hour": 4, "minute": 39}
